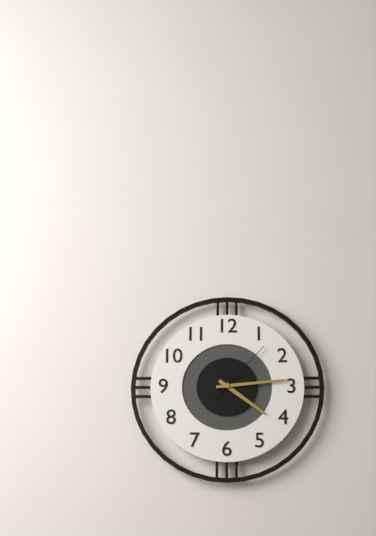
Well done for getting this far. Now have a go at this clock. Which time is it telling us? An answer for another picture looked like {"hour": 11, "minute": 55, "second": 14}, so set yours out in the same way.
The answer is {"hour": 4, "minute": 14, "second": 7}
